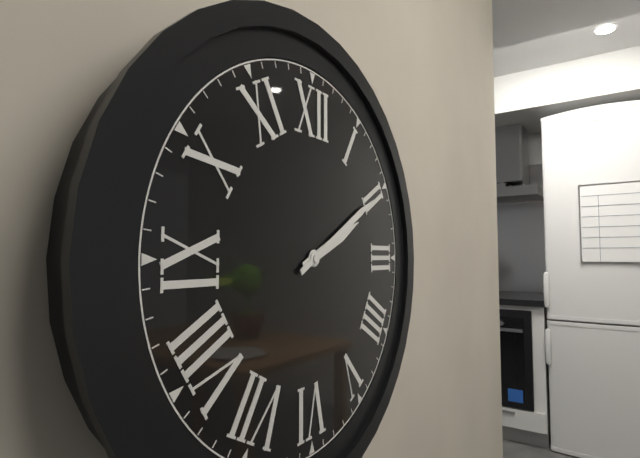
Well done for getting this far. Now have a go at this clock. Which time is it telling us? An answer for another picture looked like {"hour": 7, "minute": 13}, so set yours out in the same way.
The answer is {"hour": 2, "minute": 10}
